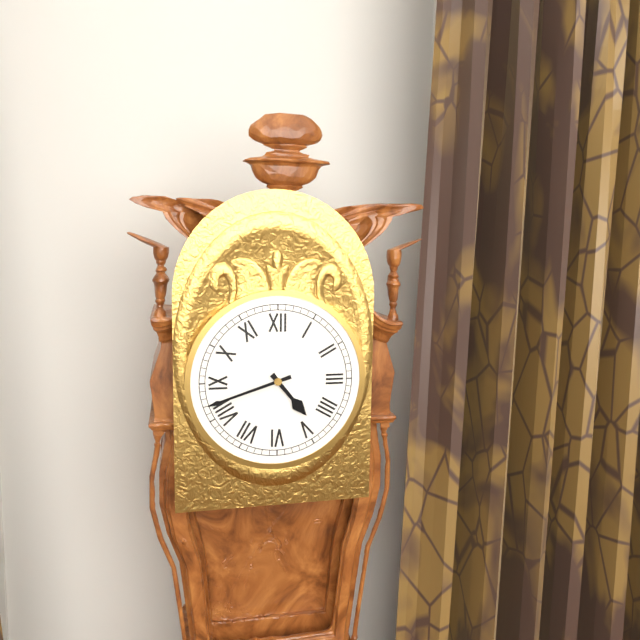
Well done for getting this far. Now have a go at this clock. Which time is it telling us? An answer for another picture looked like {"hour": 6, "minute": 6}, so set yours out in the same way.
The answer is {"hour": 4, "minute": 42}
